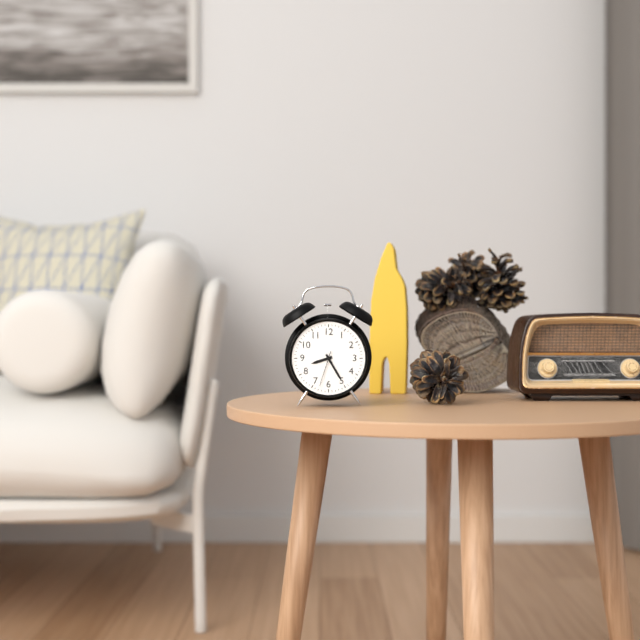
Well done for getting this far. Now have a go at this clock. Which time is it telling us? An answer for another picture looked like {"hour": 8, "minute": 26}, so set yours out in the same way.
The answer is {"hour": 8, "minute": 25}
